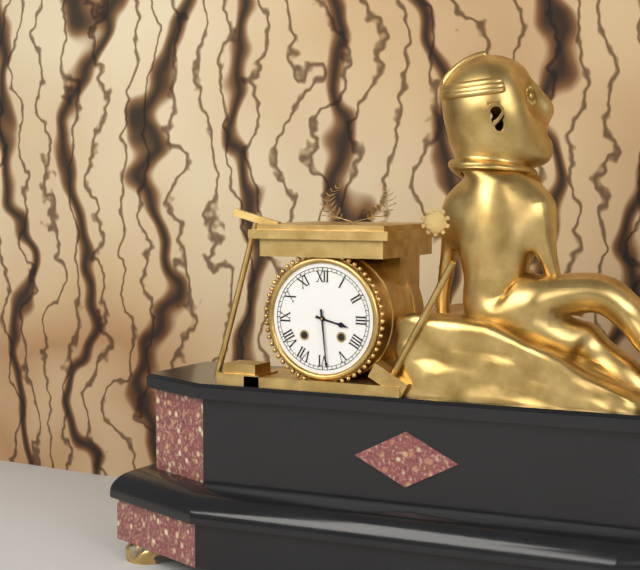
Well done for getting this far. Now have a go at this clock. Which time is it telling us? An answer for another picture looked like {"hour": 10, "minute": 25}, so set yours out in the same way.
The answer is {"hour": 3, "minute": 29}
